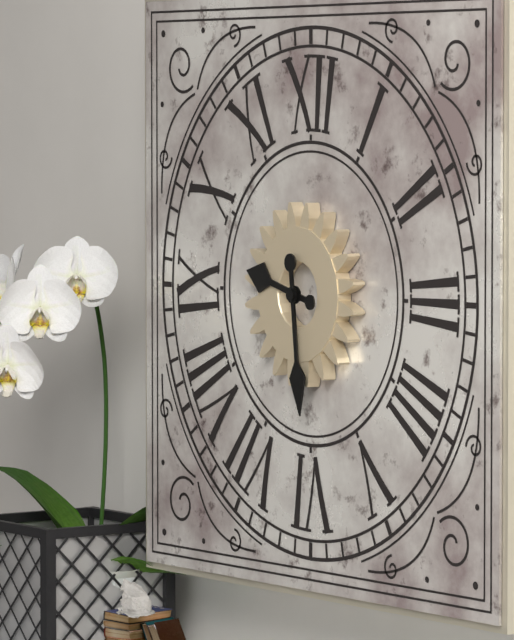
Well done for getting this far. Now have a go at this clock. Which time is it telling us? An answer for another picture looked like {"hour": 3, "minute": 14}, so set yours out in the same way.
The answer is {"hour": 9, "minute": 29}
